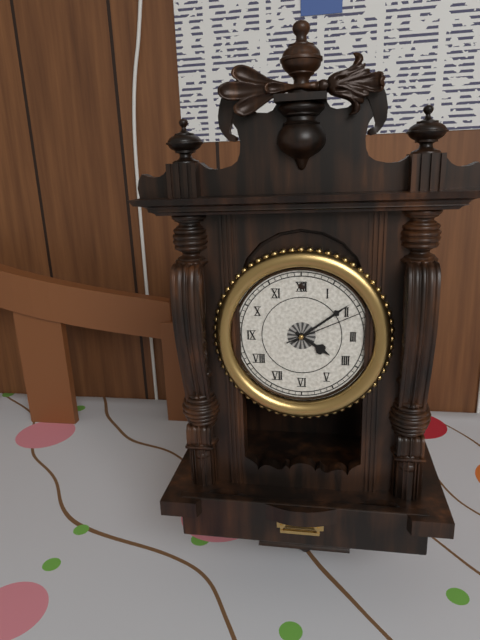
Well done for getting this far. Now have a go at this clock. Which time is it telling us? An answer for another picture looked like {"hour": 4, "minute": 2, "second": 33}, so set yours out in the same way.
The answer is {"hour": 4, "minute": 9, "second": 11}
